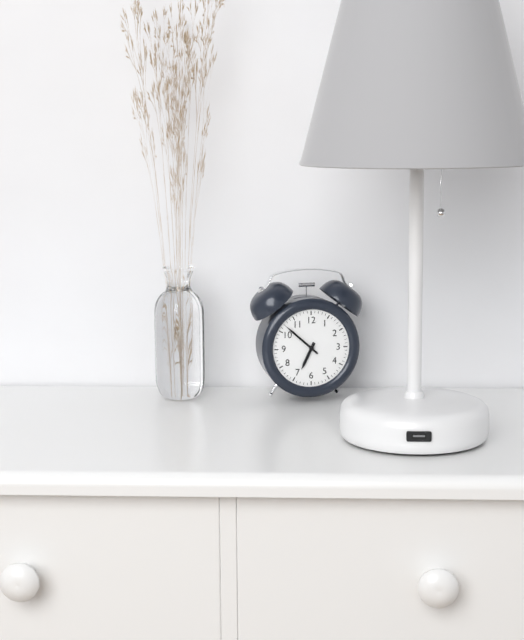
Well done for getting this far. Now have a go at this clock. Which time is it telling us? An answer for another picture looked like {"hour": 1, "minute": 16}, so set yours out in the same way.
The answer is {"hour": 6, "minute": 52}
